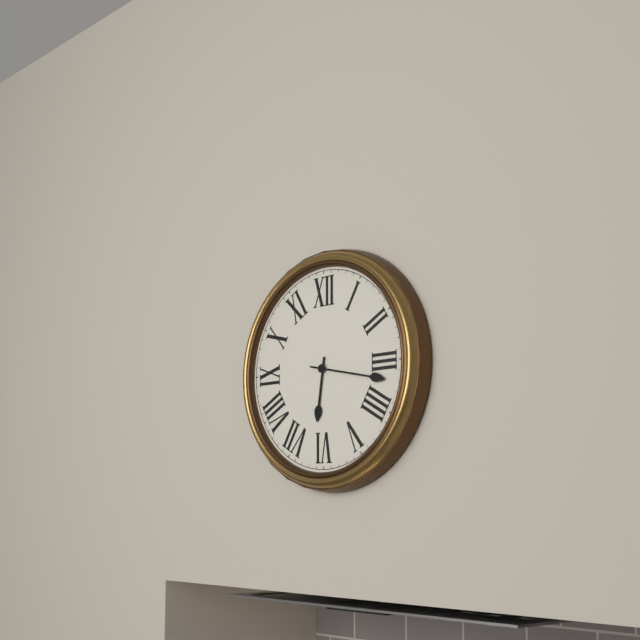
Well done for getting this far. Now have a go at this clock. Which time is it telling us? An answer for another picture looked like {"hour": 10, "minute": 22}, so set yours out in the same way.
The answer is {"hour": 6, "minute": 17}
